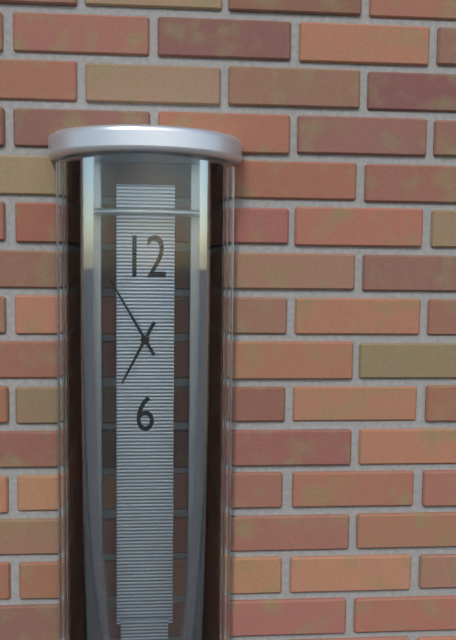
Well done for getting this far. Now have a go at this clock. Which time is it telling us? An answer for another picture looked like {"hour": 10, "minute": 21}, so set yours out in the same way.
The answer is {"hour": 6, "minute": 55}
